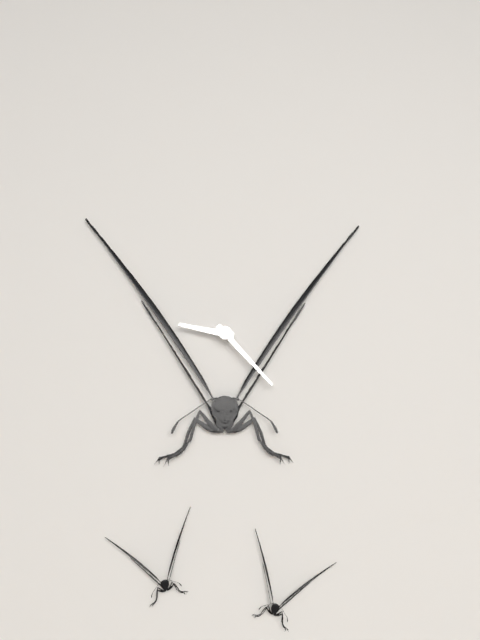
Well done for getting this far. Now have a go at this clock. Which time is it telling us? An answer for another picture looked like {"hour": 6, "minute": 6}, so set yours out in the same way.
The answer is {"hour": 9, "minute": 23}
